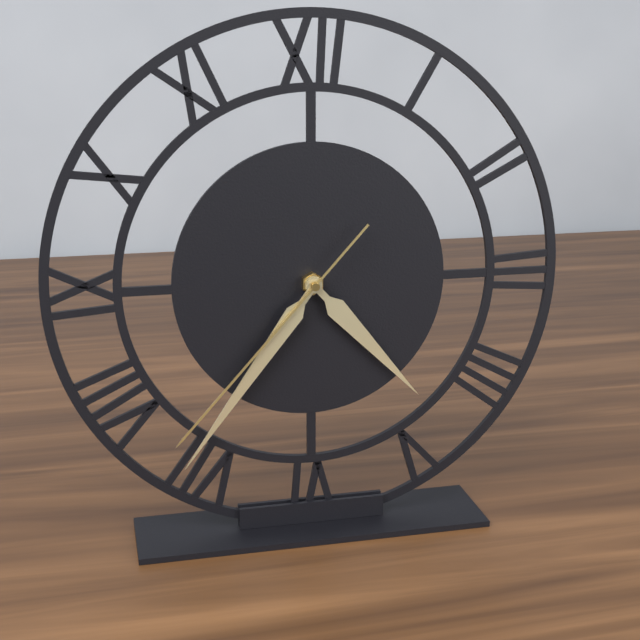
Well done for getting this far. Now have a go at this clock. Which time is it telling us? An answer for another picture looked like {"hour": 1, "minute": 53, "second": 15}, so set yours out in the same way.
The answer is {"hour": 4, "minute": 36, "second": 37}
